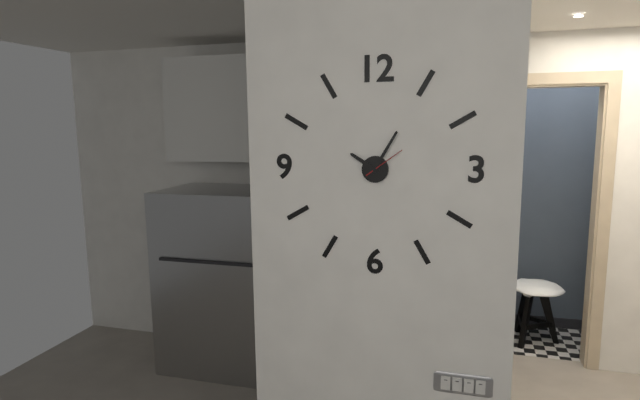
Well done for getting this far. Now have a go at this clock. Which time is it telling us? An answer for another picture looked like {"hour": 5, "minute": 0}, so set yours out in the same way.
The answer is {"hour": 10, "minute": 5}
